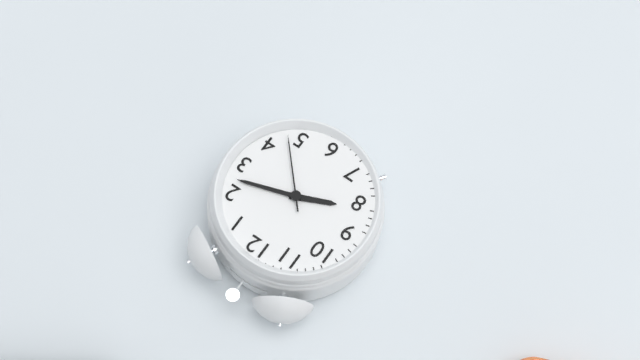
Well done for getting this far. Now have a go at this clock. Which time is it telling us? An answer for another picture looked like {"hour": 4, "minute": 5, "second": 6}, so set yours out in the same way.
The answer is {"hour": 8, "minute": 12, "second": 23}
